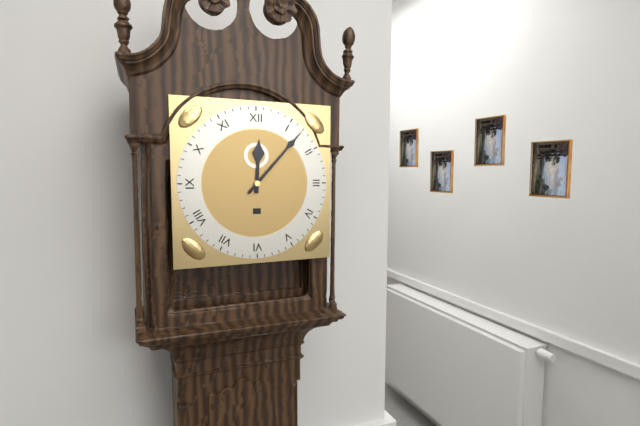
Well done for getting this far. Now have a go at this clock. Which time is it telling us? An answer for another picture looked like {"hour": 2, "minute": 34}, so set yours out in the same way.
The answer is {"hour": 12, "minute": 7}
